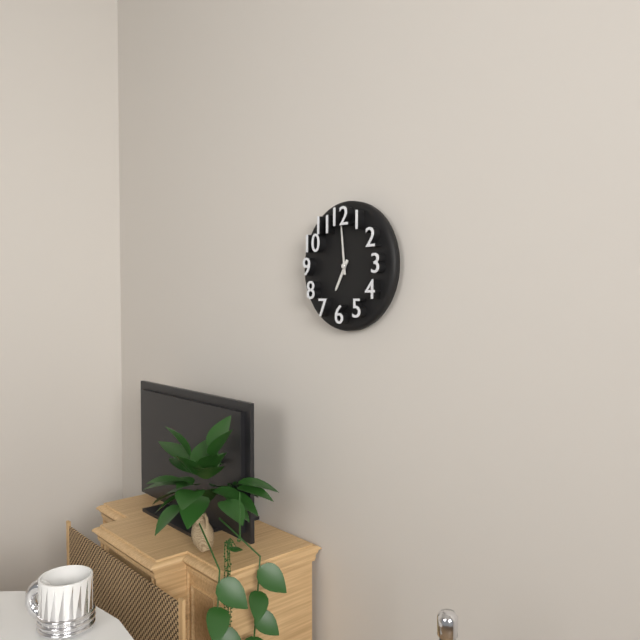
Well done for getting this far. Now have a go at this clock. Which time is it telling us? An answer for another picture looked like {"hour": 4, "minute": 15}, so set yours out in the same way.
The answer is {"hour": 6, "minute": 59}
